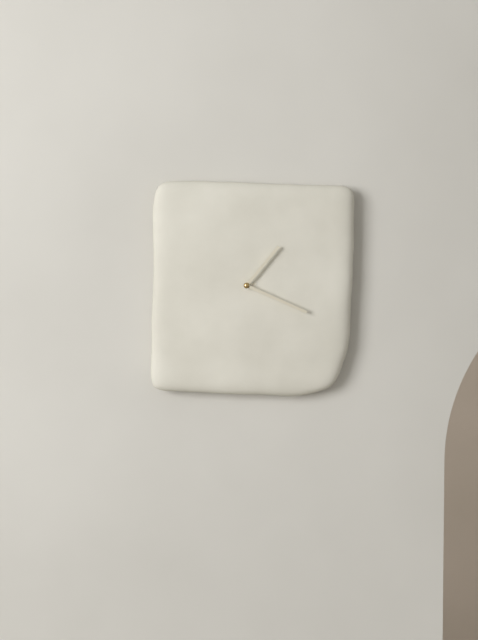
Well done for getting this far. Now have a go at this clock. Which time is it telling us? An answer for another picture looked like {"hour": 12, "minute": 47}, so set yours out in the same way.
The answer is {"hour": 1, "minute": 19}
